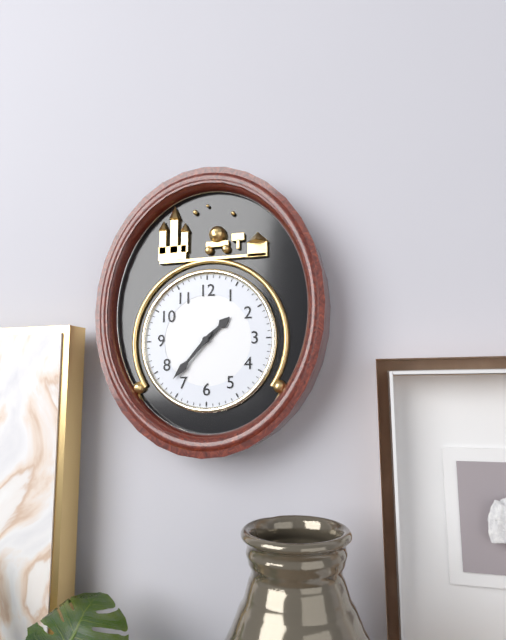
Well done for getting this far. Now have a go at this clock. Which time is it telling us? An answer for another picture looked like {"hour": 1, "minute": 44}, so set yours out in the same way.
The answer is {"hour": 1, "minute": 37}
